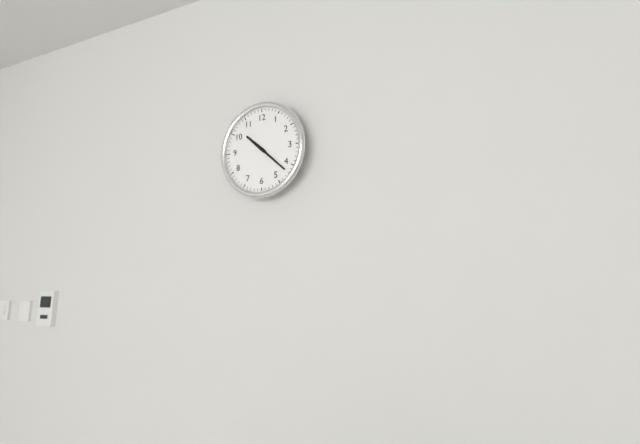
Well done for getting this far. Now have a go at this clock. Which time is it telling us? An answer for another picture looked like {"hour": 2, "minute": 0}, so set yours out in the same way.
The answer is {"hour": 10, "minute": 22}
